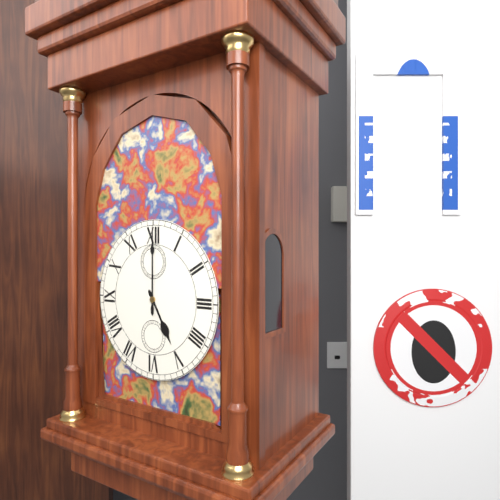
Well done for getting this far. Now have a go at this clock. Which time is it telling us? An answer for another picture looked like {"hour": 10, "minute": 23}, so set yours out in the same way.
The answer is {"hour": 5, "minute": 0}
